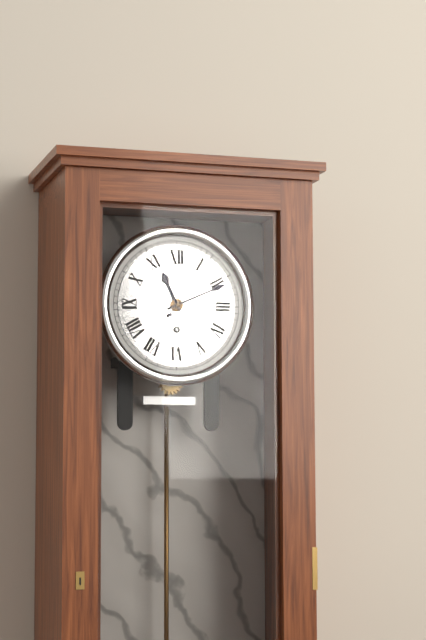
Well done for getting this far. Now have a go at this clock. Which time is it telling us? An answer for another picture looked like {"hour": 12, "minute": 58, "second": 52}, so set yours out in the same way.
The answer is {"hour": 11, "minute": 11, "second": 6}
